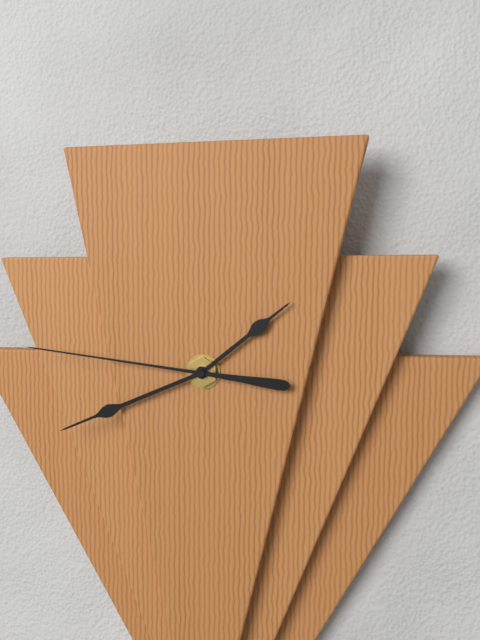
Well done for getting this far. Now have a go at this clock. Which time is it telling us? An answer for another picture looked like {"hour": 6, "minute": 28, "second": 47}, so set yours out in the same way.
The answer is {"hour": 1, "minute": 41, "second": 46}
